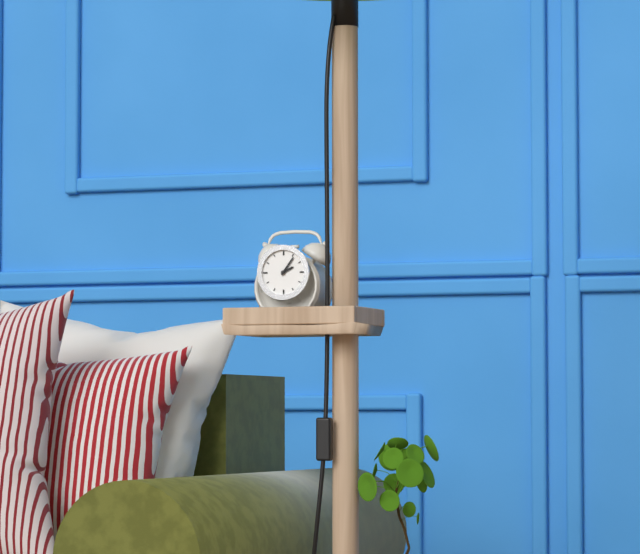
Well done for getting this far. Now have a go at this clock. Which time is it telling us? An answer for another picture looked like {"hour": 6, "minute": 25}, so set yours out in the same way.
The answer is {"hour": 2, "minute": 6}
